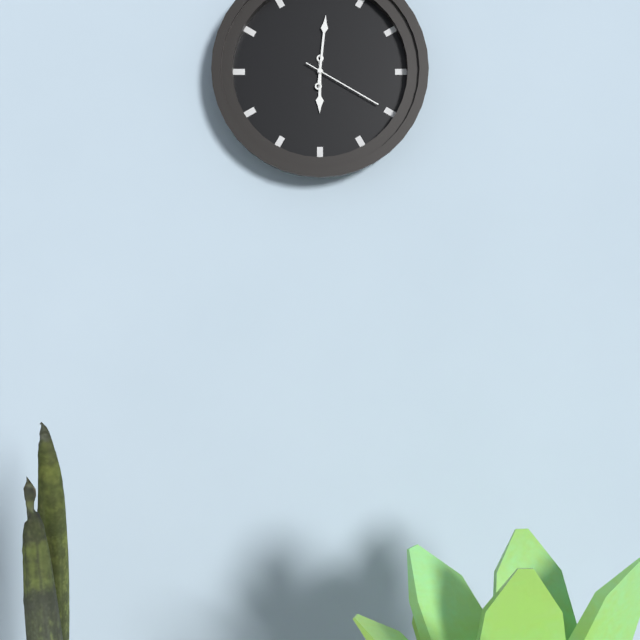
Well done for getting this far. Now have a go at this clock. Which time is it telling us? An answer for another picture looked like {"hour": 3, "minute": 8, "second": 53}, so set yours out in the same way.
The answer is {"hour": 6, "minute": 1, "second": 20}
